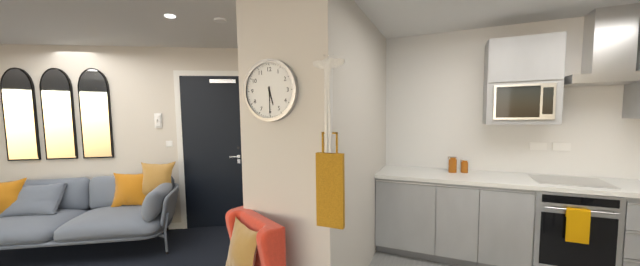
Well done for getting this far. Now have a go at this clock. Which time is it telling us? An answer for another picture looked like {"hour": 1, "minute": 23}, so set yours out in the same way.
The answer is {"hour": 5, "minute": 30}
